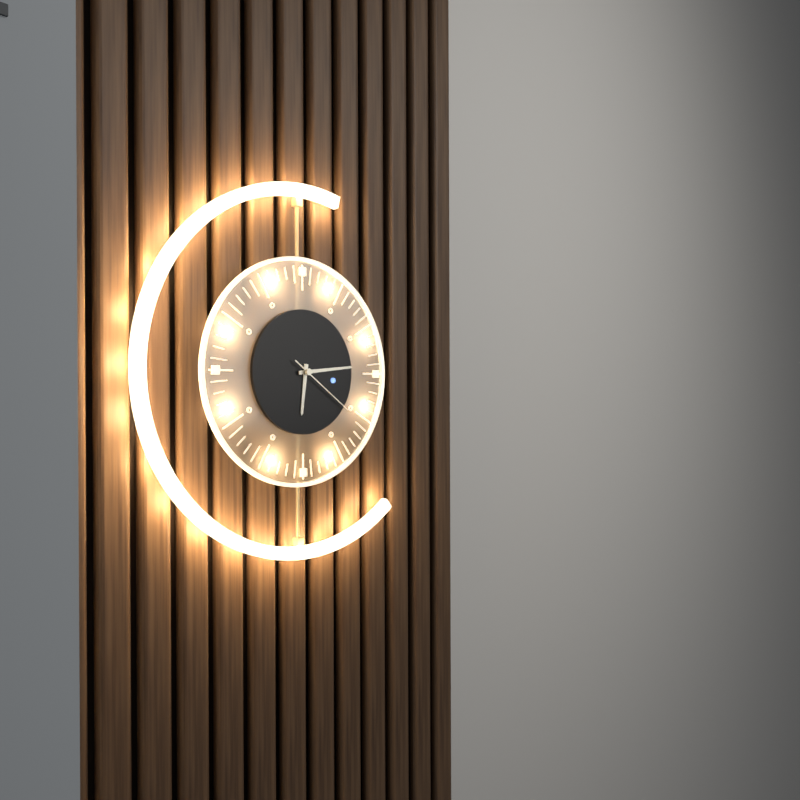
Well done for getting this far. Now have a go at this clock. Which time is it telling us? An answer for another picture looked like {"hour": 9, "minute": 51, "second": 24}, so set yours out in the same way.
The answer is {"hour": 6, "minute": 14, "second": 21}
